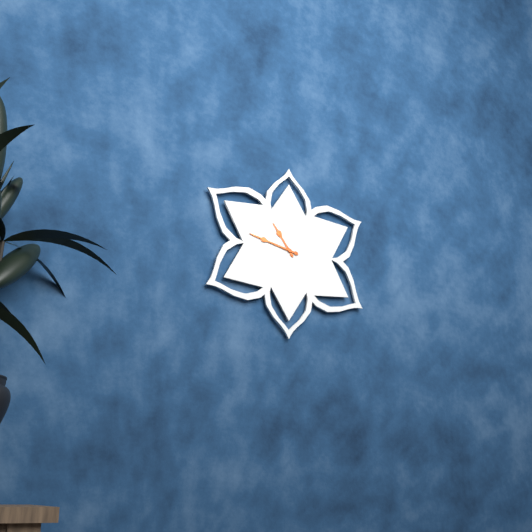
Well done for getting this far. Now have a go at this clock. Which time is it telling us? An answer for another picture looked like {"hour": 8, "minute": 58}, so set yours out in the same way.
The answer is {"hour": 10, "minute": 47}
